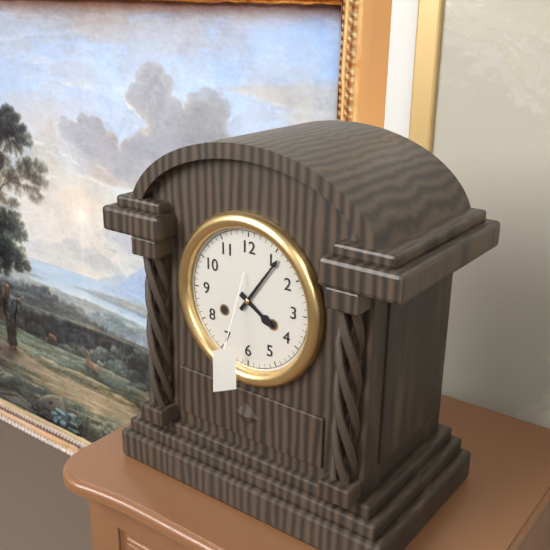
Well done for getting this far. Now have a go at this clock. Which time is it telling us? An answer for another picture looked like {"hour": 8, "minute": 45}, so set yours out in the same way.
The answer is {"hour": 4, "minute": 6}
